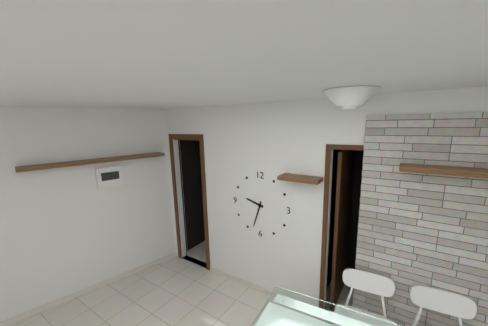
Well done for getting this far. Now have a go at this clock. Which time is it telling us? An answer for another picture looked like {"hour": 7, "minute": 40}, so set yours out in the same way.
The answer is {"hour": 9, "minute": 33}
